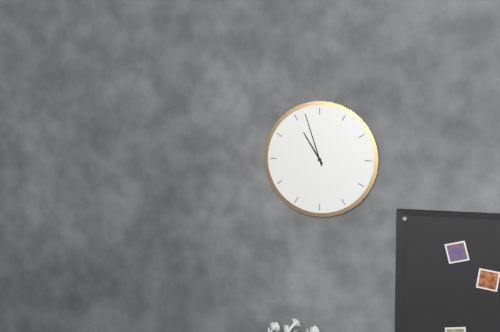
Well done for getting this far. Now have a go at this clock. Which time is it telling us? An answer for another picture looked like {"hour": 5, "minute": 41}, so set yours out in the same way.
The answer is {"hour": 10, "minute": 57}
